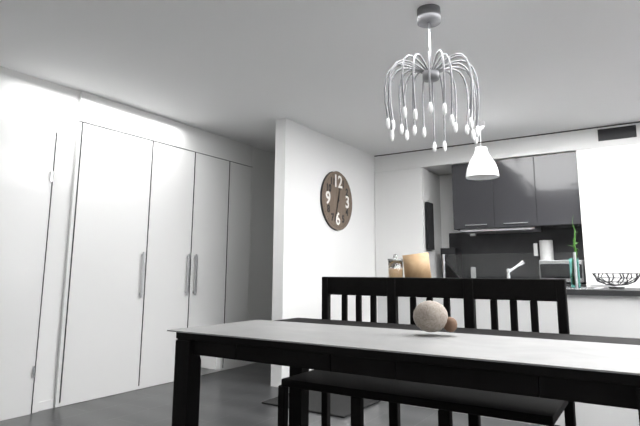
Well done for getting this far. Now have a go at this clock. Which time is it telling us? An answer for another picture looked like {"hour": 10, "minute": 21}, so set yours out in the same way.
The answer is {"hour": 12, "minute": 33}
